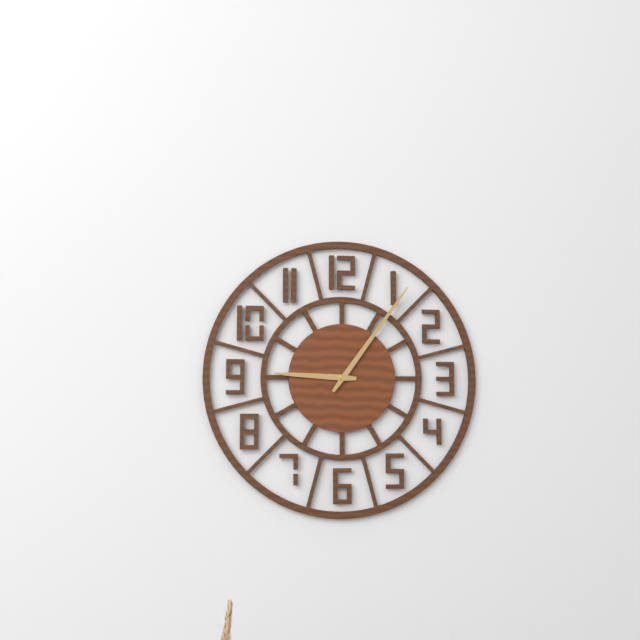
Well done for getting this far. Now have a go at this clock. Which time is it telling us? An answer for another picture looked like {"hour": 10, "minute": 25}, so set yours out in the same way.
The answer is {"hour": 9, "minute": 6}
